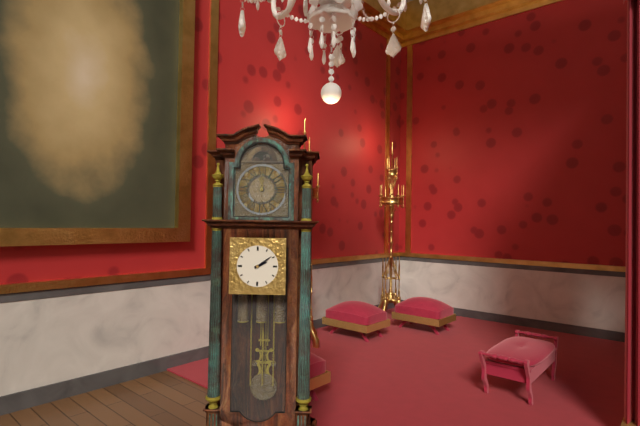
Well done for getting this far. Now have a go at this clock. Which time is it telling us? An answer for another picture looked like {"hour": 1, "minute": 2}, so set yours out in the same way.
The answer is {"hour": 2, "minute": 9}
